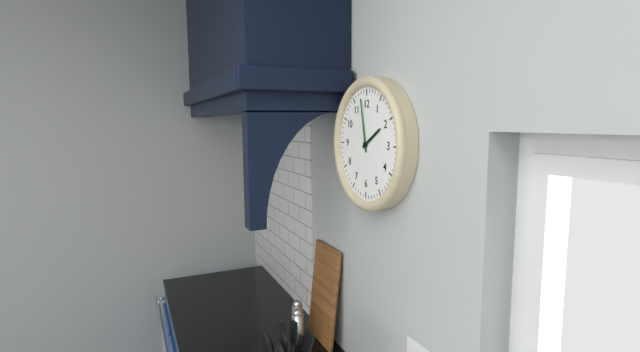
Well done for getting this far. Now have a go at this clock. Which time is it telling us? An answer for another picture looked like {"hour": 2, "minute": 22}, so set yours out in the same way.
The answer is {"hour": 1, "minute": 58}
